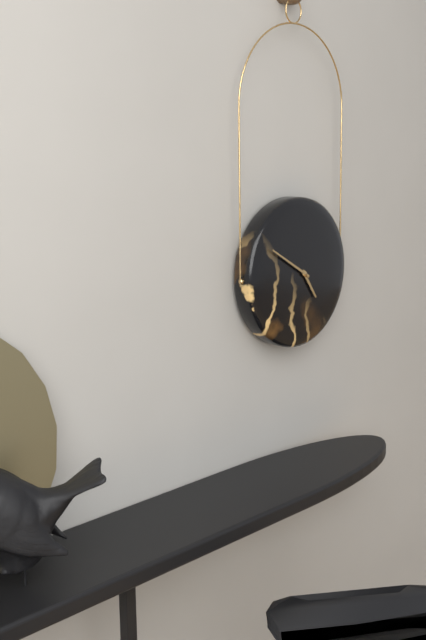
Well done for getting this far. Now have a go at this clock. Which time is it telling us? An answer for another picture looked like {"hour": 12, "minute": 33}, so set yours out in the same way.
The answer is {"hour": 4, "minute": 50}
